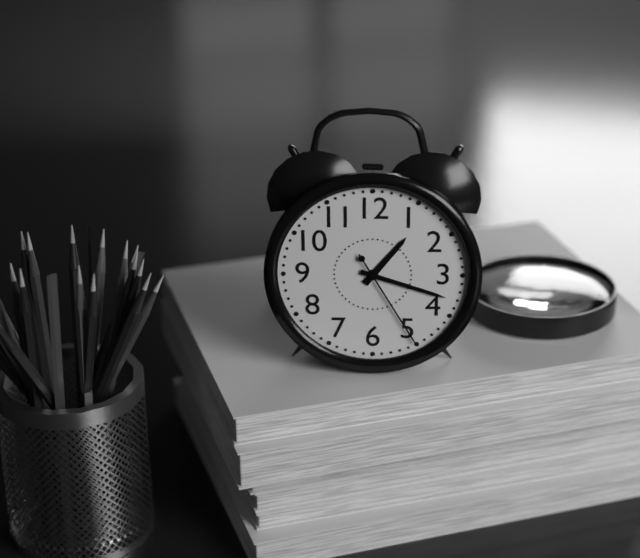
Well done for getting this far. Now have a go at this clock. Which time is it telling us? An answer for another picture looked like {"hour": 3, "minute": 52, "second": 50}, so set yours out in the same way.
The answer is {"hour": 1, "minute": 18, "second": 25}
